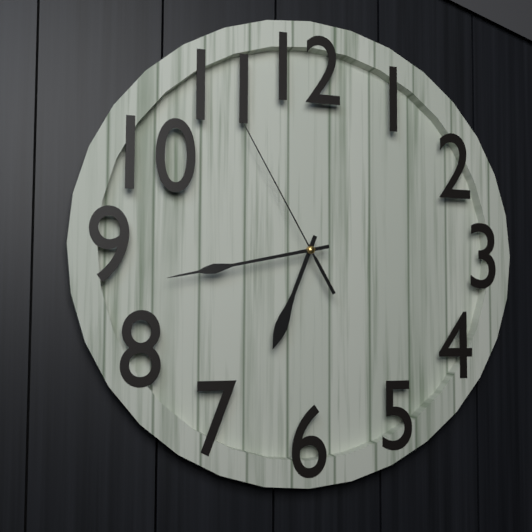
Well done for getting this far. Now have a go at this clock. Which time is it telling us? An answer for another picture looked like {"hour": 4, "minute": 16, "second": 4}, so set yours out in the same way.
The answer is {"hour": 6, "minute": 43, "second": 55}
